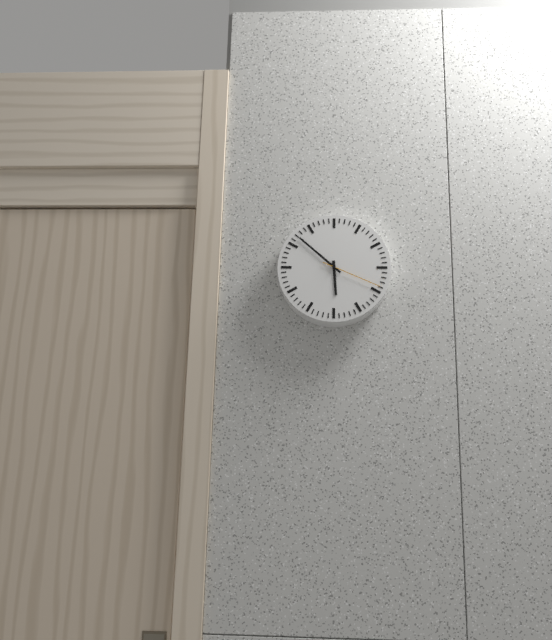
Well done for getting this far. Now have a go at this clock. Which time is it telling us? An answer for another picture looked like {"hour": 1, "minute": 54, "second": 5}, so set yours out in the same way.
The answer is {"hour": 5, "minute": 52, "second": 19}
